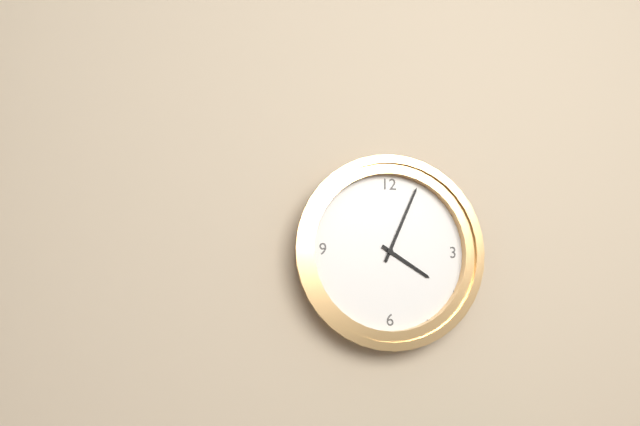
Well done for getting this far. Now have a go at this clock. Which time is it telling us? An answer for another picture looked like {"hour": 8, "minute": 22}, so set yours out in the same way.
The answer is {"hour": 4, "minute": 4}
